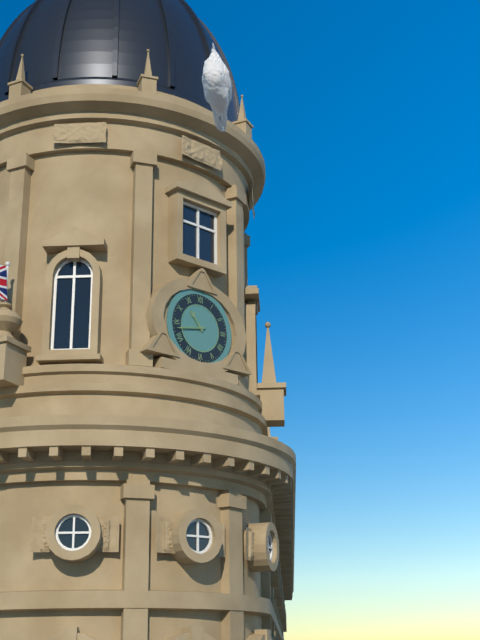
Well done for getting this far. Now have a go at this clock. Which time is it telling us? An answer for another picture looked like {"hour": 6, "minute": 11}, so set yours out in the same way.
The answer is {"hour": 10, "minute": 43}
